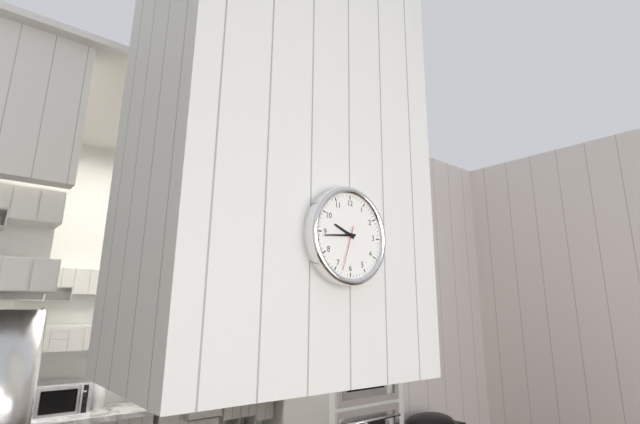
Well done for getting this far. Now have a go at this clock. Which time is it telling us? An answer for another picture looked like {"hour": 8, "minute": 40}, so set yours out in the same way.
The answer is {"hour": 9, "minute": 44}
